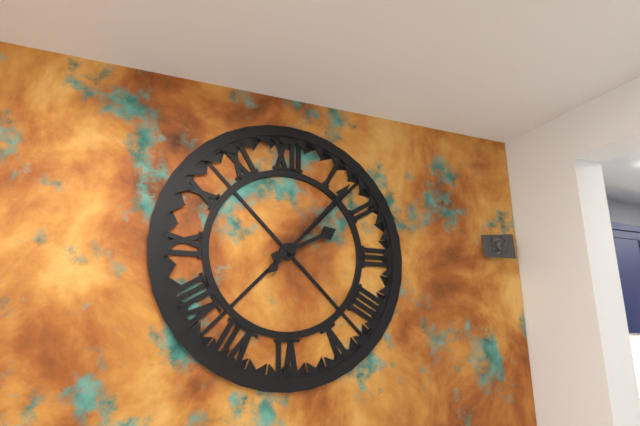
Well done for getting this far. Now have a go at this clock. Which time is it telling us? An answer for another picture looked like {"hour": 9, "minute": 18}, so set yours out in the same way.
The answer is {"hour": 2, "minute": 7}
